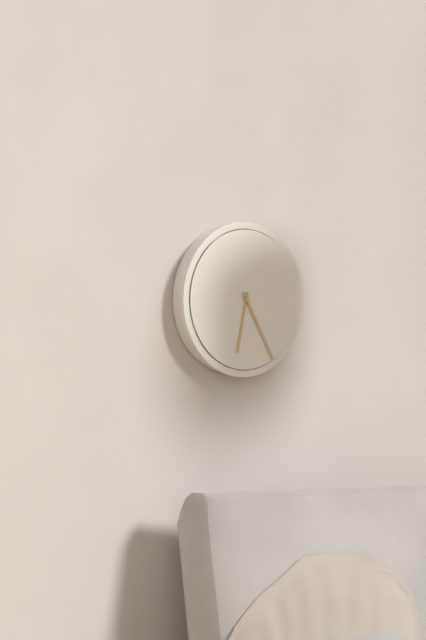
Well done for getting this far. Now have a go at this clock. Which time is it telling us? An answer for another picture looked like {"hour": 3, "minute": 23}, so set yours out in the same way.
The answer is {"hour": 6, "minute": 25}
